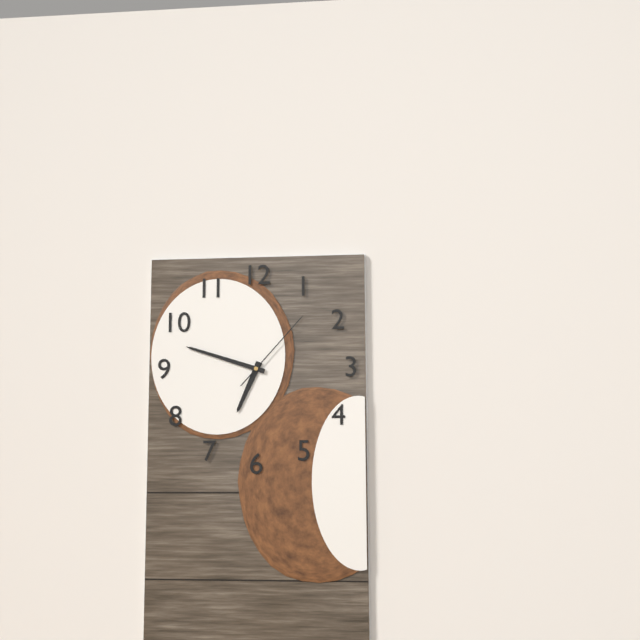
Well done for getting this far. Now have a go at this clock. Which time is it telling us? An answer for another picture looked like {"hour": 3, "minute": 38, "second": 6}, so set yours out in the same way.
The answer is {"hour": 6, "minute": 48, "second": 7}
